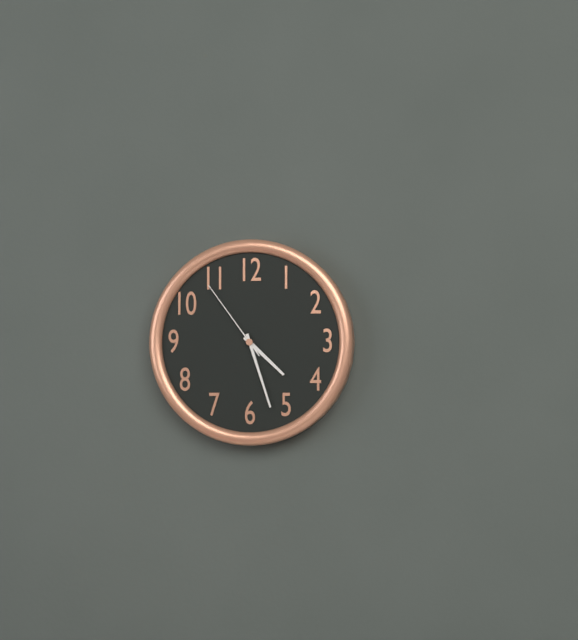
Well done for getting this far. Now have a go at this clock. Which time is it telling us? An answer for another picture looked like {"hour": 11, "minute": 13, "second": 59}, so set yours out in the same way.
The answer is {"hour": 4, "minute": 27, "second": 54}
